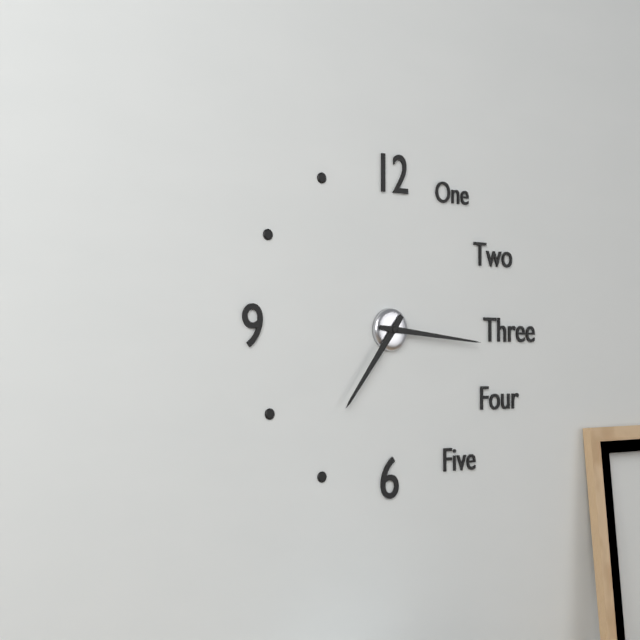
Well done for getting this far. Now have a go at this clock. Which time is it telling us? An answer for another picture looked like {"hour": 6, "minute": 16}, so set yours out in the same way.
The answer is {"hour": 7, "minute": 16}
